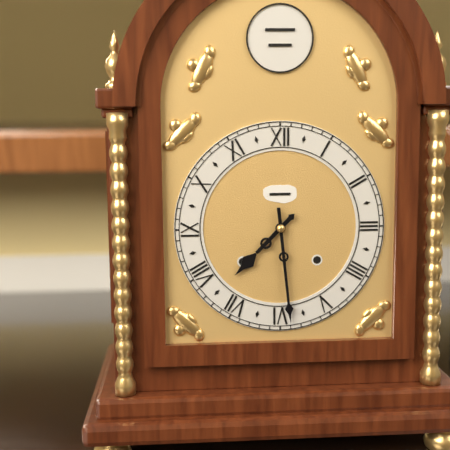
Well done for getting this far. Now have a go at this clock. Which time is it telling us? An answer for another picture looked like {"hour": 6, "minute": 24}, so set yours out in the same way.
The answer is {"hour": 7, "minute": 29}
